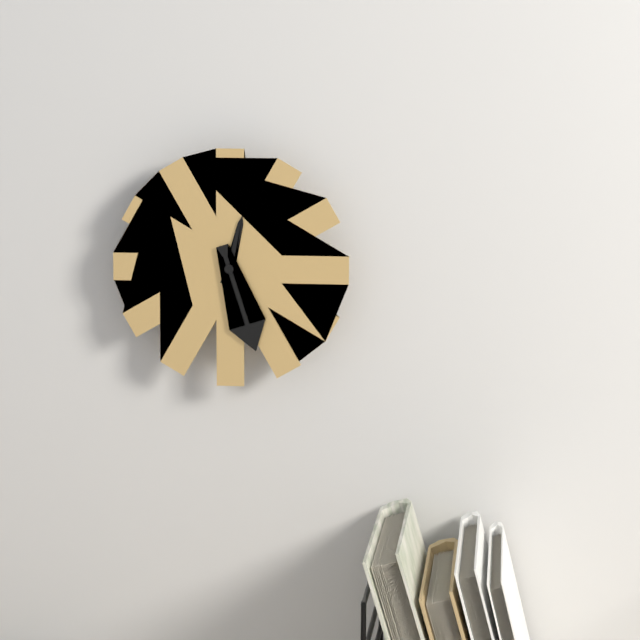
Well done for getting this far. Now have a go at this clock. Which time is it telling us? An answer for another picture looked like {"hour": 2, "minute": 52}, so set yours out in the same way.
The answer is {"hour": 12, "minute": 27}
